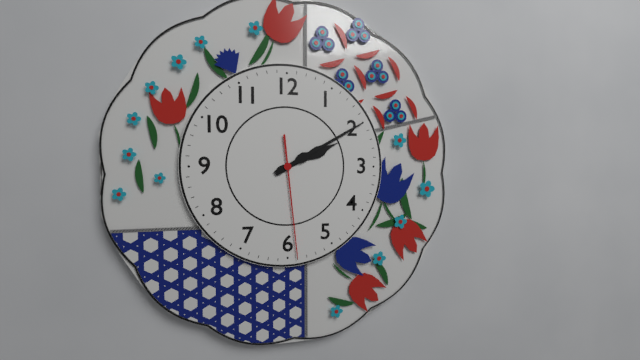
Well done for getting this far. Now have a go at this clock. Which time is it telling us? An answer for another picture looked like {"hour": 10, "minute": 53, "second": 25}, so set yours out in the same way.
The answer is {"hour": 2, "minute": 10, "second": 29}
